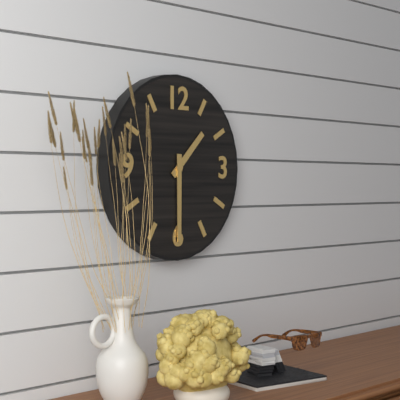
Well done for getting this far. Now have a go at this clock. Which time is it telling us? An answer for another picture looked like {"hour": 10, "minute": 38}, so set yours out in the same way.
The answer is {"hour": 1, "minute": 30}
